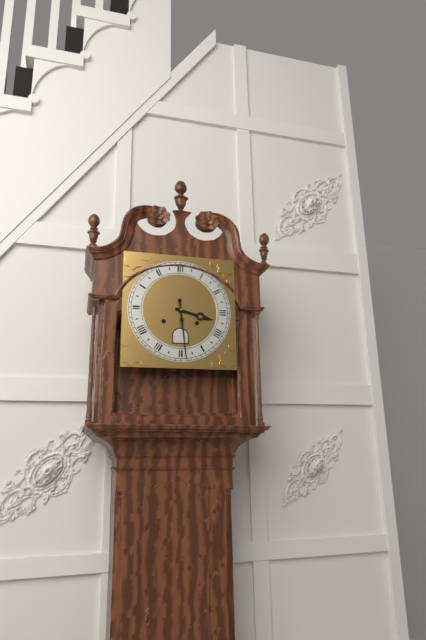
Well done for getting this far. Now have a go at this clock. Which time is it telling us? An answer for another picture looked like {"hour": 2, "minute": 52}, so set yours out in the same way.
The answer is {"hour": 3, "minute": 29}
